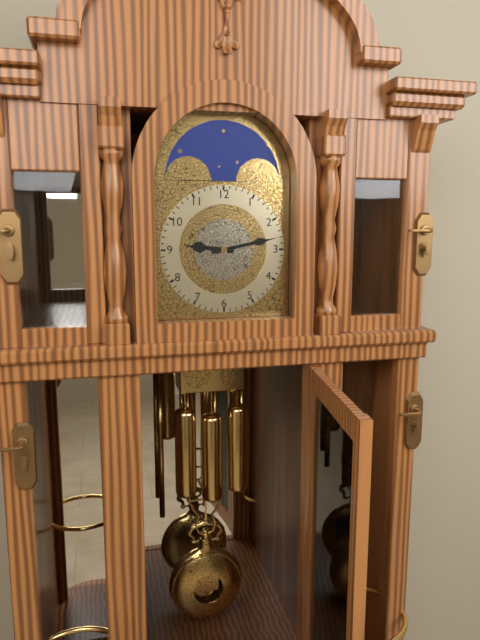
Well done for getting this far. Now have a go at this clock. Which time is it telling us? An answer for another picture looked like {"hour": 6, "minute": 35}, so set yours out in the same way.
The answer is {"hour": 9, "minute": 13}
